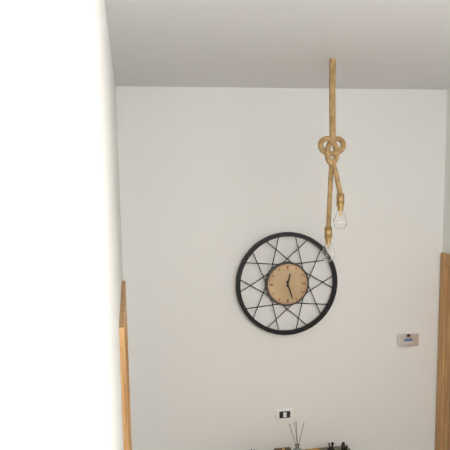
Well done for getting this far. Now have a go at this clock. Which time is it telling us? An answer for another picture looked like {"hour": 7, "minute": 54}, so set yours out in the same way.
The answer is {"hour": 12, "minute": 27}
